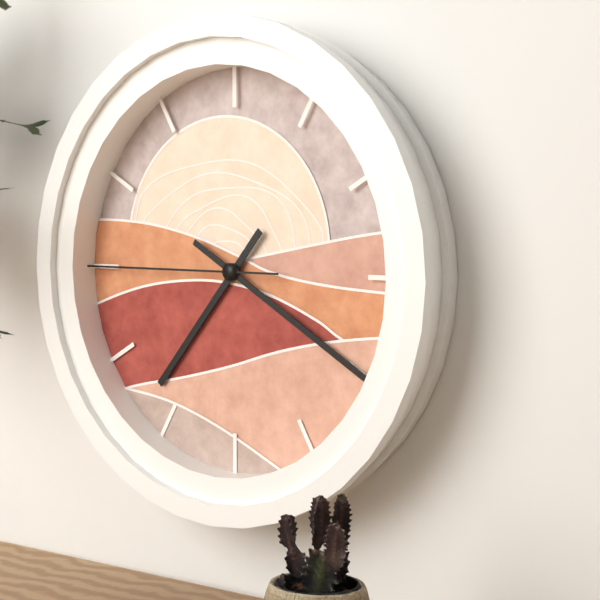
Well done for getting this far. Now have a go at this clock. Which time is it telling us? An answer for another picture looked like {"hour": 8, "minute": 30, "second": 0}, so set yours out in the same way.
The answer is {"hour": 7, "minute": 20, "second": 45}
